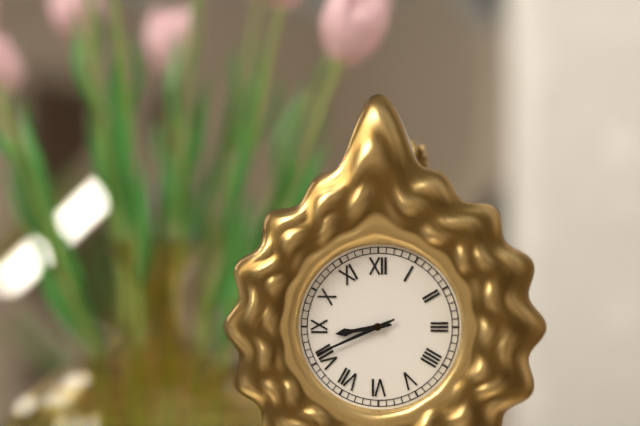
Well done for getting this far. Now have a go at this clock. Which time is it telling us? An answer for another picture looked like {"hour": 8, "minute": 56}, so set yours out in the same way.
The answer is {"hour": 8, "minute": 41}
